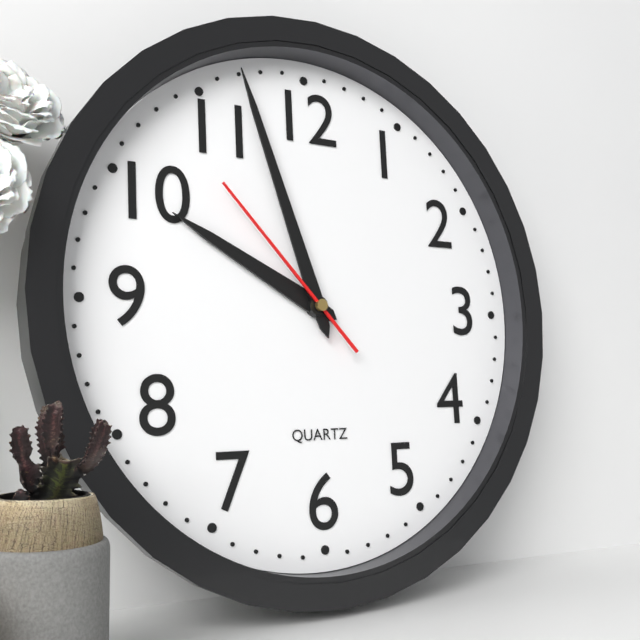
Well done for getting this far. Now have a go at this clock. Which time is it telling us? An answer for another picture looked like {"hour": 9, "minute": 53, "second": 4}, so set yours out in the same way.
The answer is {"hour": 9, "minute": 57, "second": 53}
